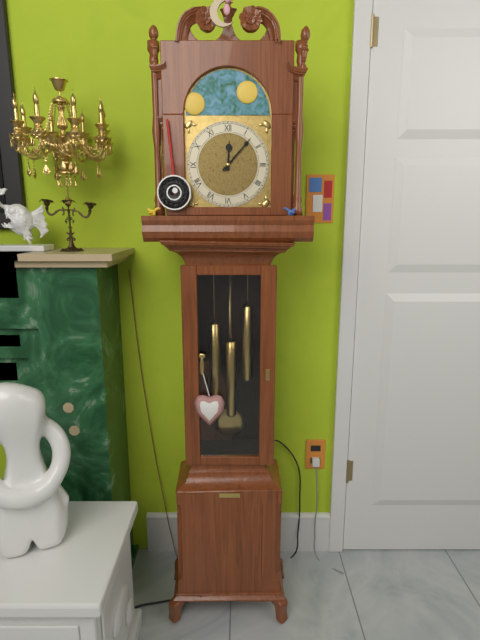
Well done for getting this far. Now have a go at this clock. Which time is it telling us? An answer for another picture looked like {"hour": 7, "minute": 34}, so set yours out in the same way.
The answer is {"hour": 12, "minute": 7}
